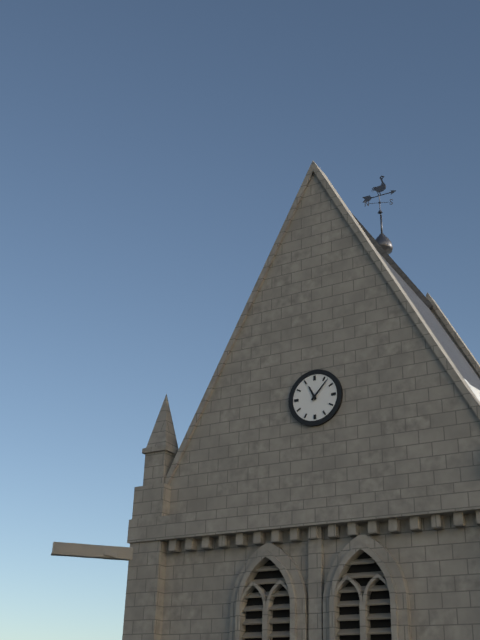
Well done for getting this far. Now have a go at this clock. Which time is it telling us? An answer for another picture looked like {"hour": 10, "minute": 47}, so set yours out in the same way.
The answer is {"hour": 11, "minute": 7}
